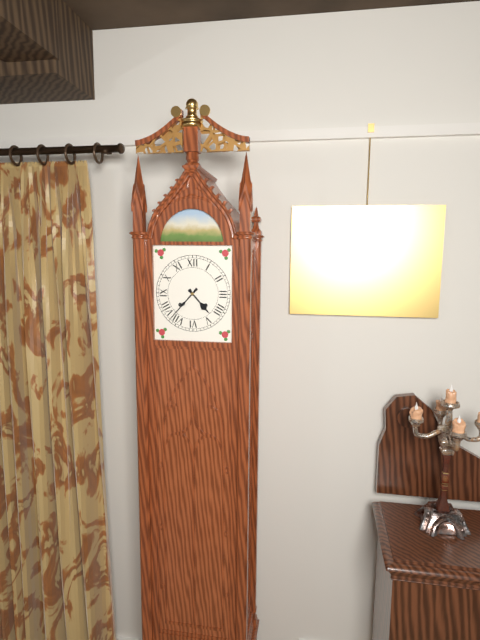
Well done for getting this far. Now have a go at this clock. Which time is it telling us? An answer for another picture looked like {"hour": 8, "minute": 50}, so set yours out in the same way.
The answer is {"hour": 4, "minute": 37}
